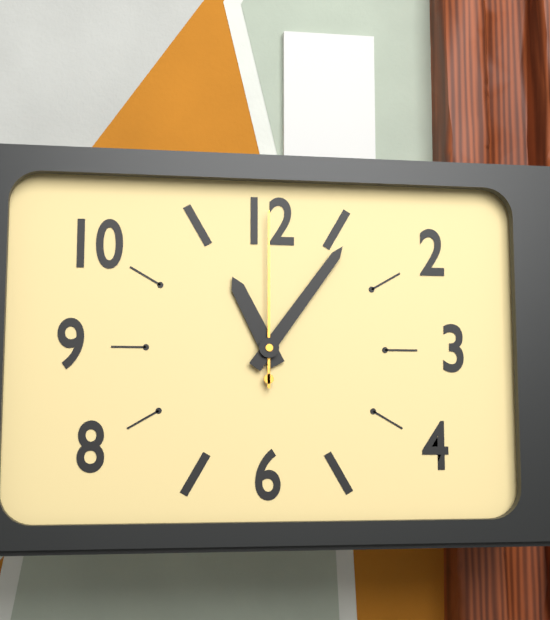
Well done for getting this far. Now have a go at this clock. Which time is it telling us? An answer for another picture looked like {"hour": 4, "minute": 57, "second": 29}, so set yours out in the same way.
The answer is {"hour": 11, "minute": 6, "second": 0}
